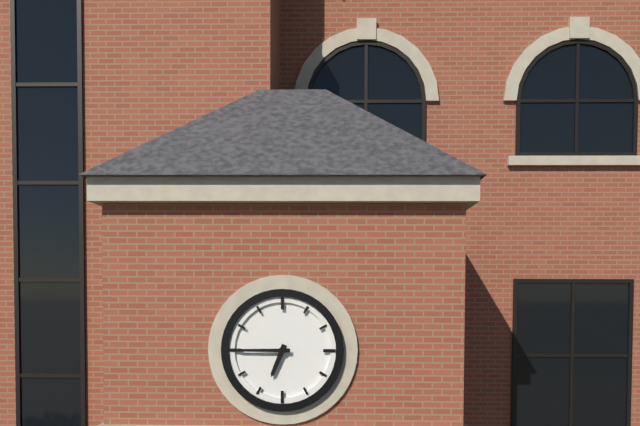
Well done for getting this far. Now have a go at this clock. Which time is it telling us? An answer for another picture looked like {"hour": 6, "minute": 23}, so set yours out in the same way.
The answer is {"hour": 6, "minute": 45}
